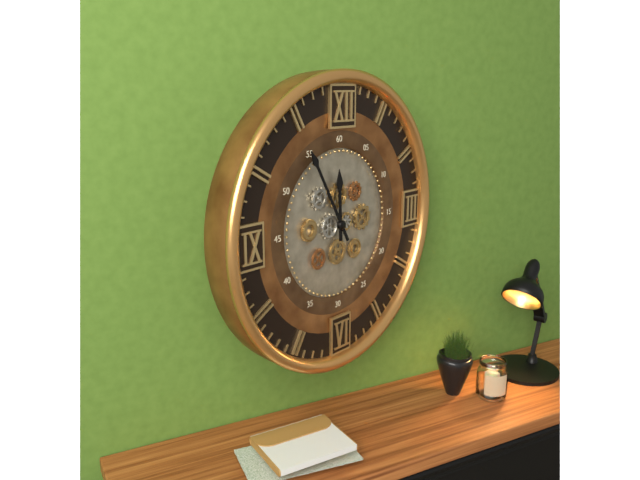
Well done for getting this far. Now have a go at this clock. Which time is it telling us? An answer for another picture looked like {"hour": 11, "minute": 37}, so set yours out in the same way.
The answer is {"hour": 11, "minute": 55}
